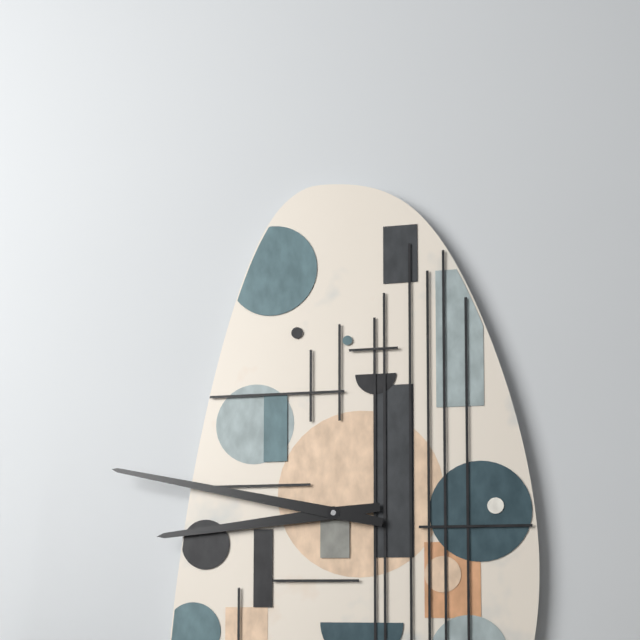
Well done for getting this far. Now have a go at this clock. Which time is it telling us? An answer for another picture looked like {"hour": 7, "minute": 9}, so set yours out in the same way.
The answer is {"hour": 8, "minute": 47}
